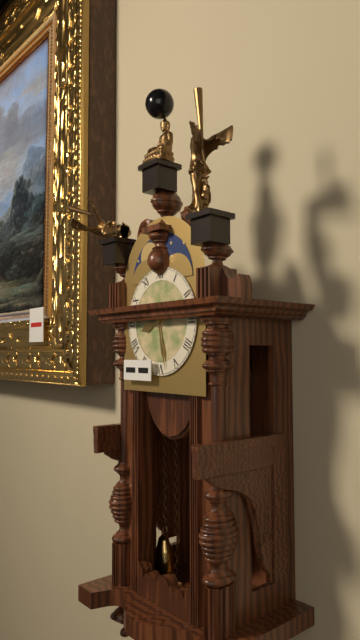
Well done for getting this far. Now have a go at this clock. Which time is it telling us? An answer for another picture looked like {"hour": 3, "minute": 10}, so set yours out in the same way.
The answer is {"hour": 8, "minute": 28}
